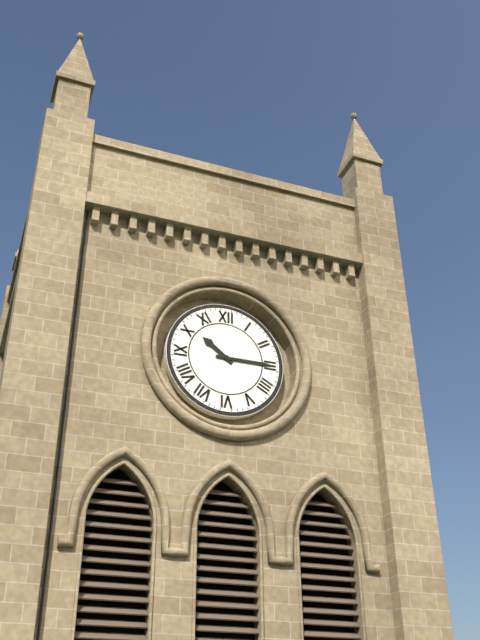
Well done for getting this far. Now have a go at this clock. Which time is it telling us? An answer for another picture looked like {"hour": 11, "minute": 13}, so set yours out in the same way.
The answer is {"hour": 10, "minute": 15}
